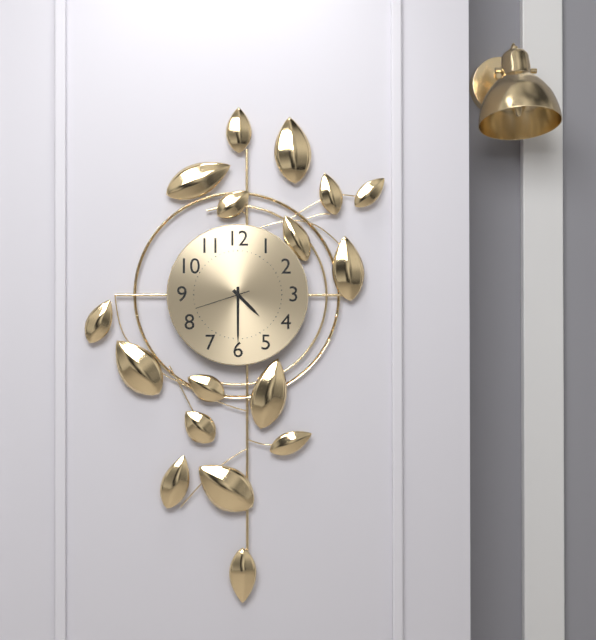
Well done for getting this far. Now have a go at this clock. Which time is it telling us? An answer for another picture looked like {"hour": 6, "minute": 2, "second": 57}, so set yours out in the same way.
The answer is {"hour": 4, "minute": 30, "second": 42}
